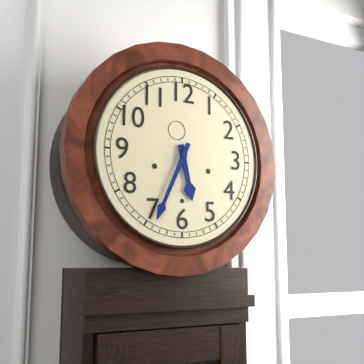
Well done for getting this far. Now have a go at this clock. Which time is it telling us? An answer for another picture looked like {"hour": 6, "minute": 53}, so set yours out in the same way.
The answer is {"hour": 5, "minute": 34}
